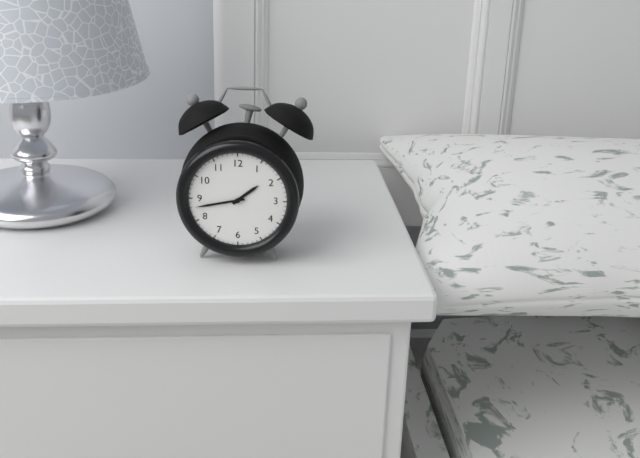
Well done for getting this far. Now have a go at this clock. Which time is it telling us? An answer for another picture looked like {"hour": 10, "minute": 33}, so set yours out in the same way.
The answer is {"hour": 1, "minute": 43}
